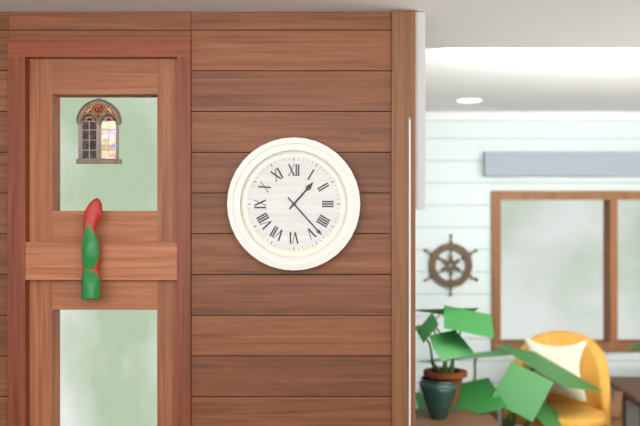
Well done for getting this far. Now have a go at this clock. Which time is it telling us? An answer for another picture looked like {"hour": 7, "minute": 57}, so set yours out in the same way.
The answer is {"hour": 1, "minute": 23}
